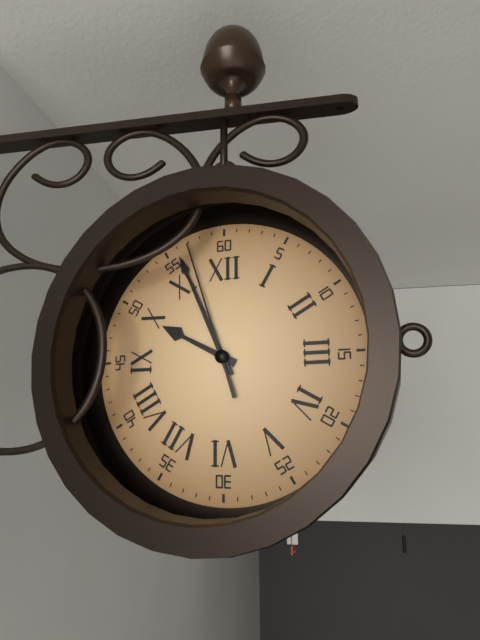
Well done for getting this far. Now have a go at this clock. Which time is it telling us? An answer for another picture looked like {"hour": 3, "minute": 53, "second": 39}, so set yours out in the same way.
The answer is {"hour": 9, "minute": 56, "second": 57}
